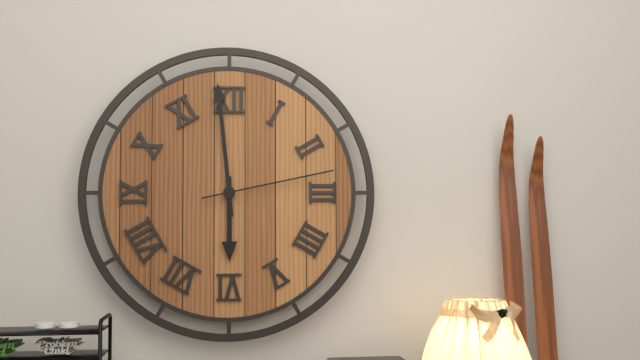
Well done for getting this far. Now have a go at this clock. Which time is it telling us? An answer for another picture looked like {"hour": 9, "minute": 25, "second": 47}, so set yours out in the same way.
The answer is {"hour": 5, "minute": 59, "second": 13}
